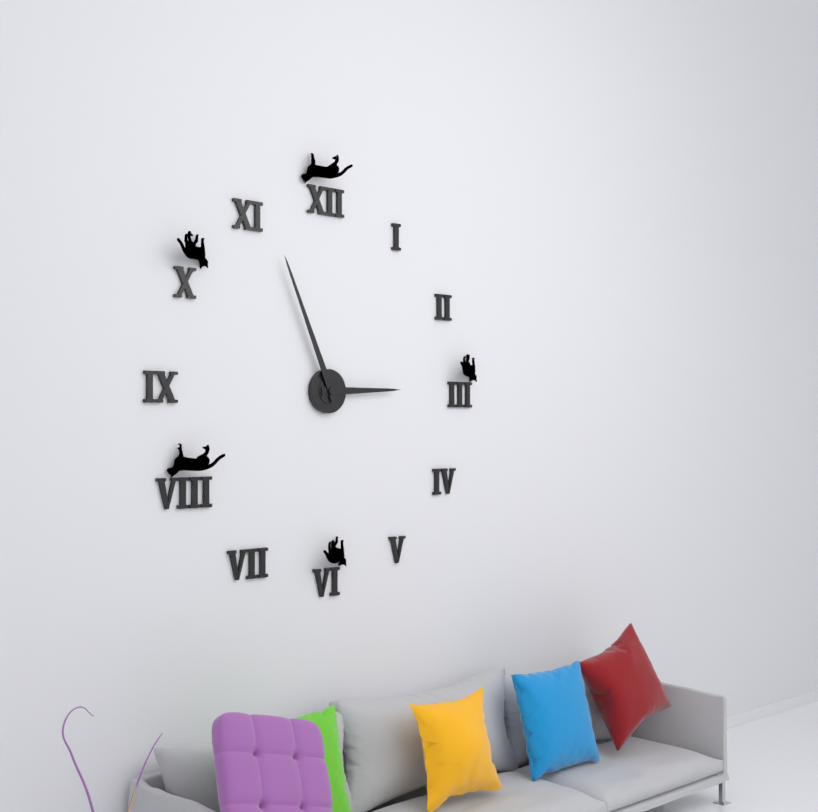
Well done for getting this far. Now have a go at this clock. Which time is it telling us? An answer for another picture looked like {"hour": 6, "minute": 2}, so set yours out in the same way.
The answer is {"hour": 2, "minute": 56}
